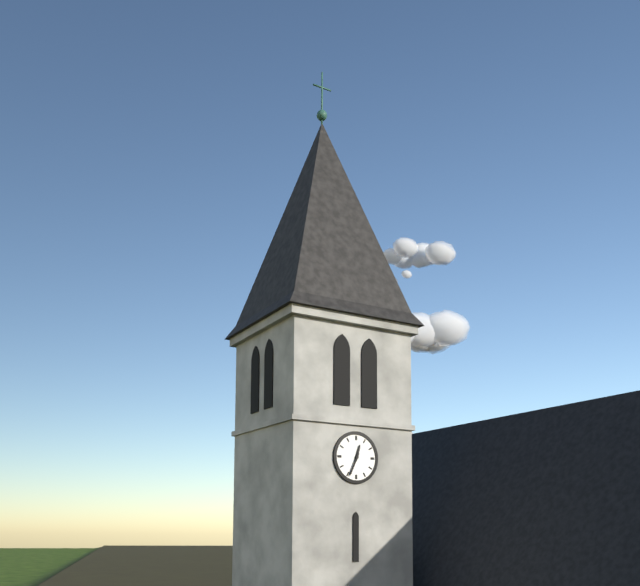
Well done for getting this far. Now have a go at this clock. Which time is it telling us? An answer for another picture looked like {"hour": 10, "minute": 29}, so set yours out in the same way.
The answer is {"hour": 12, "minute": 34}
